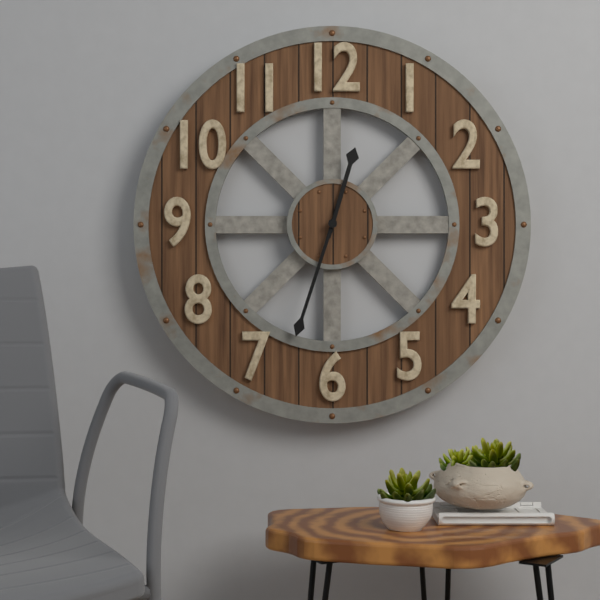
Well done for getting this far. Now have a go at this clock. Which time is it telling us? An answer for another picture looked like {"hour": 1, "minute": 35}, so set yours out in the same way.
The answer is {"hour": 12, "minute": 33}
